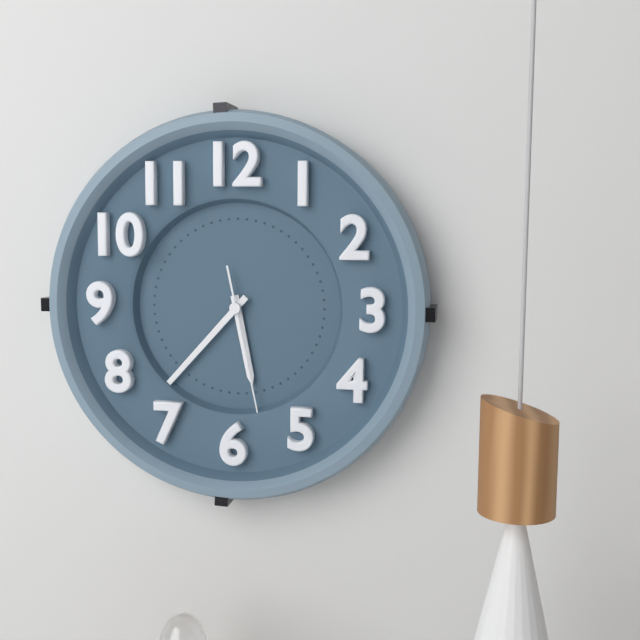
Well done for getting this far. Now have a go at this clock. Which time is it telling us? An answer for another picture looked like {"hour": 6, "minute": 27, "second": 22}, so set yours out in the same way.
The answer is {"hour": 5, "minute": 37, "second": 28}
